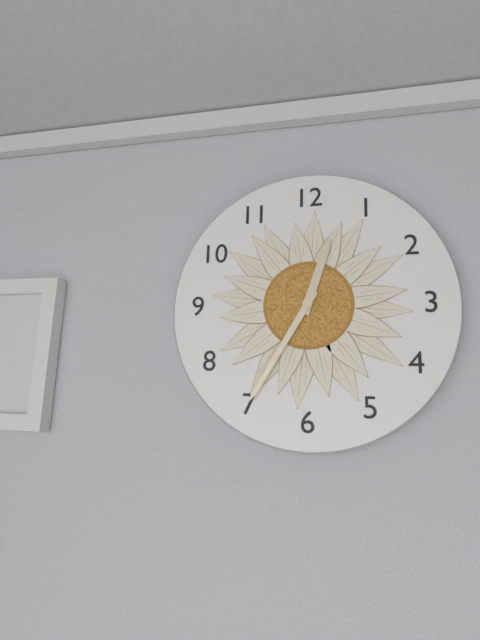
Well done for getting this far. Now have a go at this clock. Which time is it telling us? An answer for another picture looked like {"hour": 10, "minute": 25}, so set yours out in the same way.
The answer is {"hour": 12, "minute": 35}
